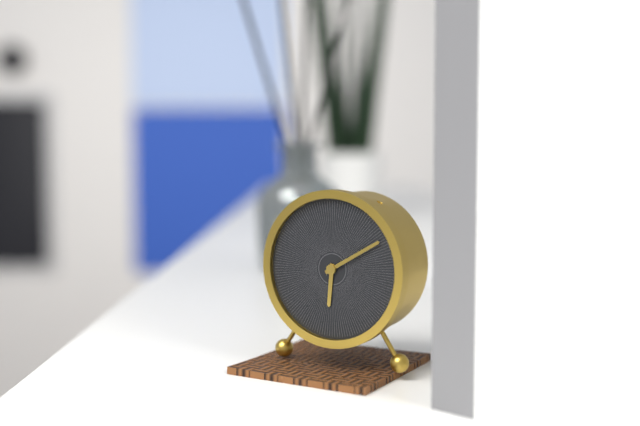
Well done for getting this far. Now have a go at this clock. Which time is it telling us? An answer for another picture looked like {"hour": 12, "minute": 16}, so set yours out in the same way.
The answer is {"hour": 6, "minute": 10}
